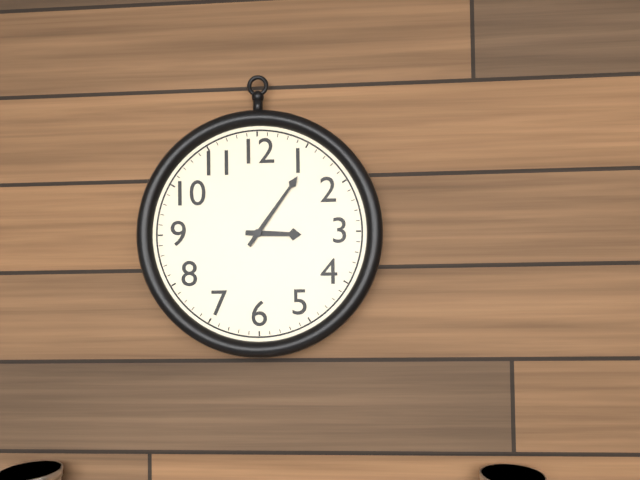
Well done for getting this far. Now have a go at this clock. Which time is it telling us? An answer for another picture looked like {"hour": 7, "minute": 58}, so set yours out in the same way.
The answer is {"hour": 3, "minute": 6}
